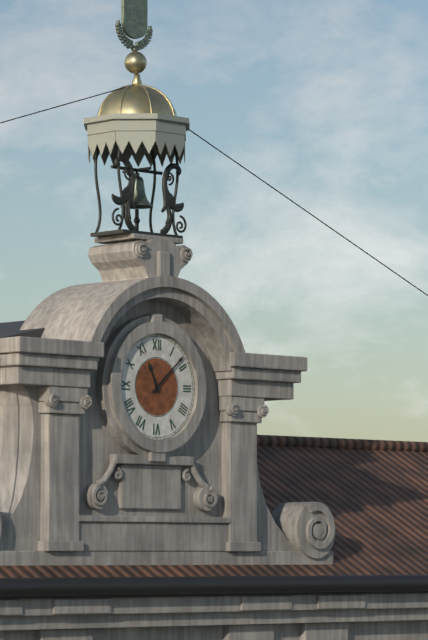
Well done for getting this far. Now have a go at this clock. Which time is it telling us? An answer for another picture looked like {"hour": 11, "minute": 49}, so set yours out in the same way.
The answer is {"hour": 11, "minute": 8}
